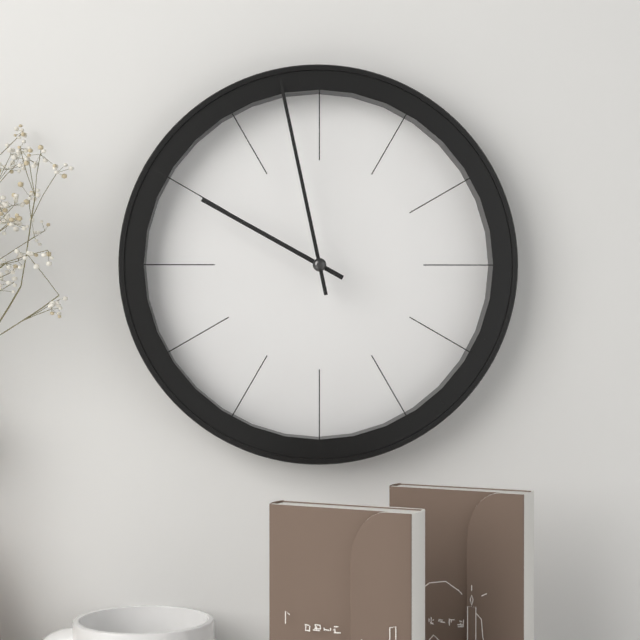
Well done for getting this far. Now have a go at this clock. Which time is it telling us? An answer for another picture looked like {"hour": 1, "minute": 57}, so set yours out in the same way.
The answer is {"hour": 9, "minute": 58}
